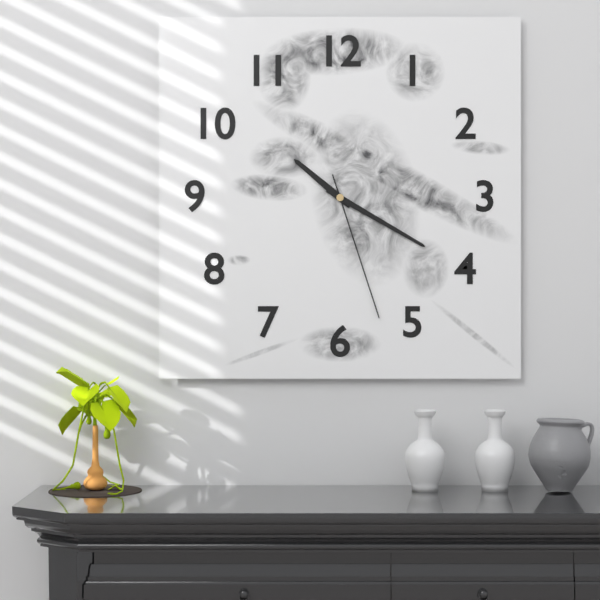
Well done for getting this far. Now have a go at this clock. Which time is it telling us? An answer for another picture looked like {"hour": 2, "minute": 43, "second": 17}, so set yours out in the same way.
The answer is {"hour": 10, "minute": 20, "second": 27}
